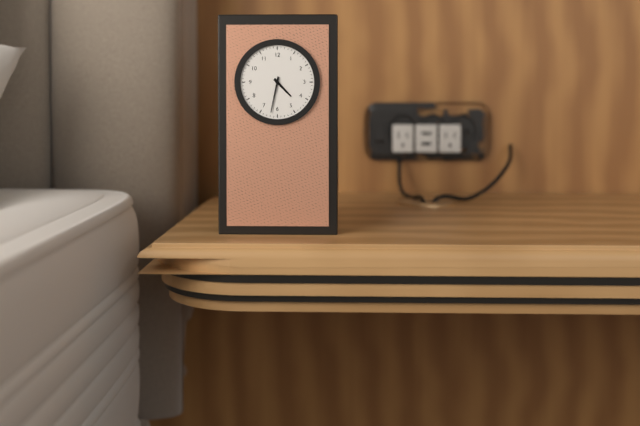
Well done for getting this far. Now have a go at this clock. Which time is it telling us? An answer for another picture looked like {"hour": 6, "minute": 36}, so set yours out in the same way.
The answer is {"hour": 4, "minute": 32}
